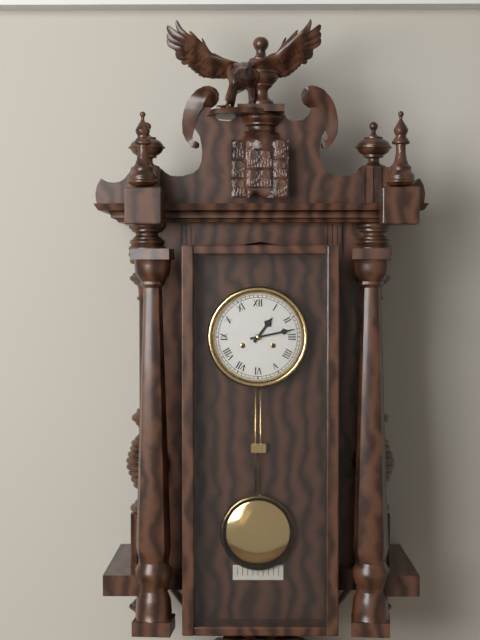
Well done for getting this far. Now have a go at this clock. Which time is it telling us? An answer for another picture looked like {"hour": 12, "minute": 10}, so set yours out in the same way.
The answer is {"hour": 1, "minute": 13}
